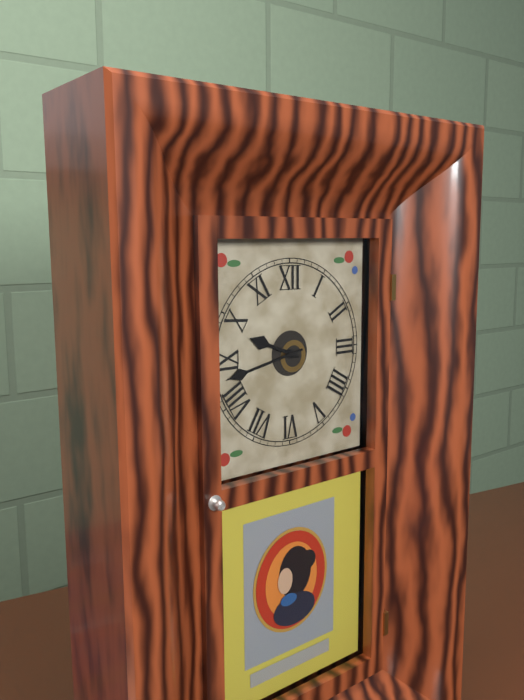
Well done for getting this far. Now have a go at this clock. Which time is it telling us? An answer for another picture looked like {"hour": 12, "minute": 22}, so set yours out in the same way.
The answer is {"hour": 9, "minute": 43}
